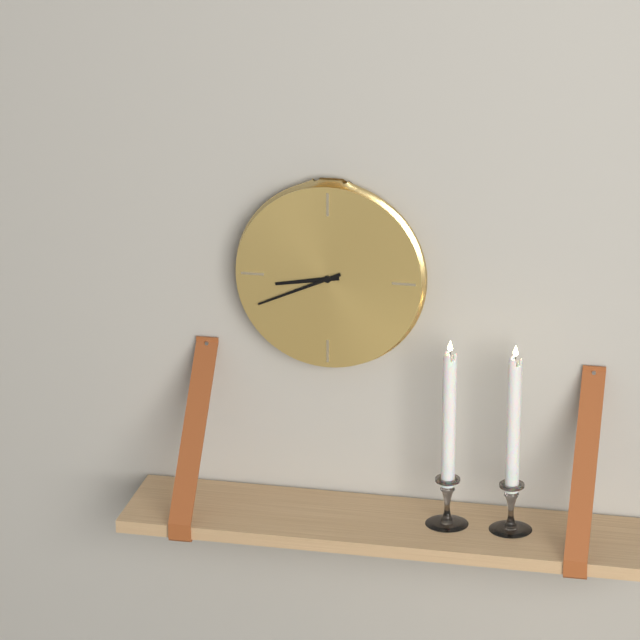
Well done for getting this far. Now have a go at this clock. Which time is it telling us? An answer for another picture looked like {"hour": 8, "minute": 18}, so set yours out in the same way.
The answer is {"hour": 8, "minute": 41}
